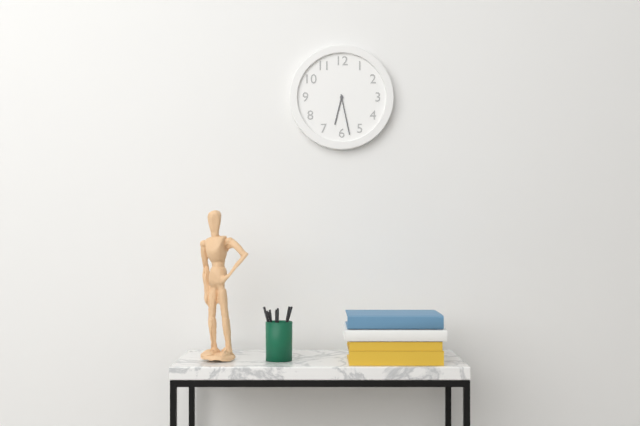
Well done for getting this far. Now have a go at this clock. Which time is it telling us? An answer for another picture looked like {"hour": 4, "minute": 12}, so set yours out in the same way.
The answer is {"hour": 6, "minute": 28}
